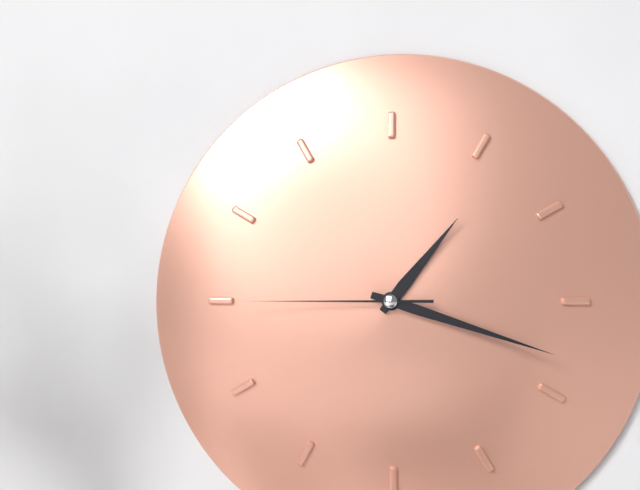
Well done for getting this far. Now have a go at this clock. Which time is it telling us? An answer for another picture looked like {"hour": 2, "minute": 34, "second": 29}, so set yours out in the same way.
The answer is {"hour": 1, "minute": 18, "second": 45}
